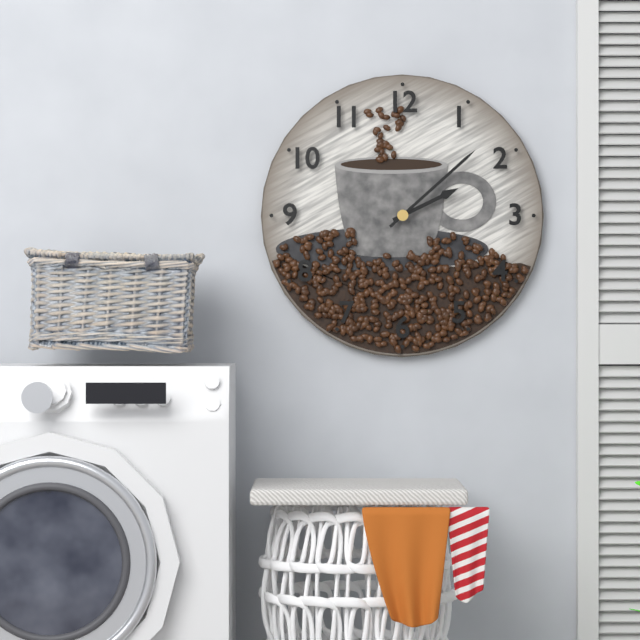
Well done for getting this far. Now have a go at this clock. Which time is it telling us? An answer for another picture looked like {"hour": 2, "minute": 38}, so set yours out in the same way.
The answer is {"hour": 2, "minute": 8}
